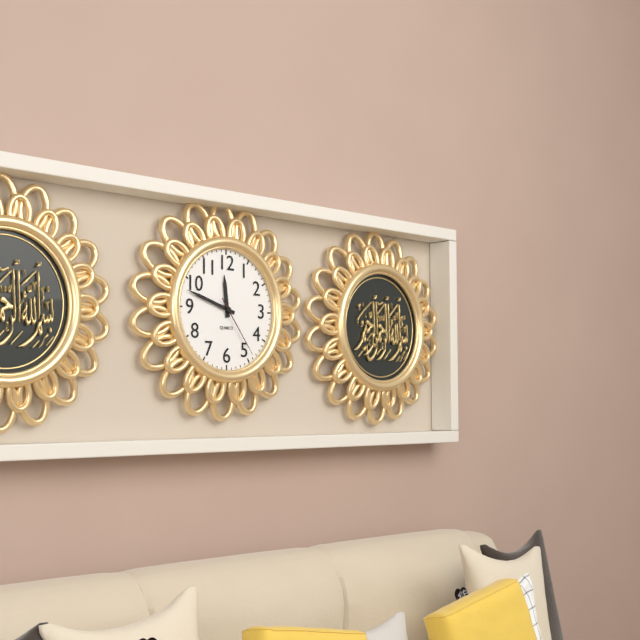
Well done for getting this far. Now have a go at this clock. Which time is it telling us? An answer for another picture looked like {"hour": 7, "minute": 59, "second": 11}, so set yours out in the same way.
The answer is {"hour": 11, "minute": 48, "second": 24}
